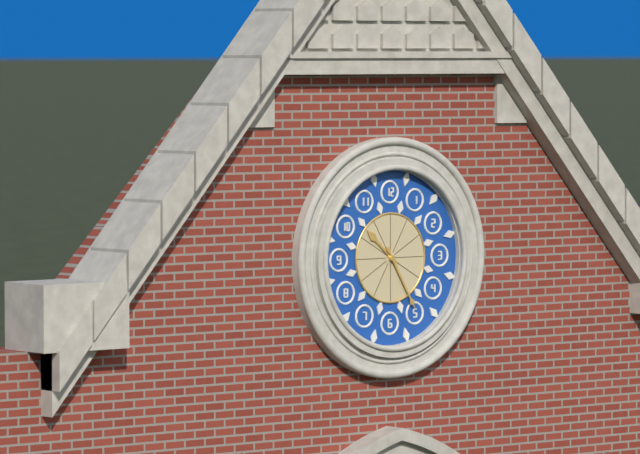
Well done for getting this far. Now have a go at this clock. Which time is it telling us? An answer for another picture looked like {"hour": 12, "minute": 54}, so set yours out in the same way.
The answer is {"hour": 10, "minute": 25}
